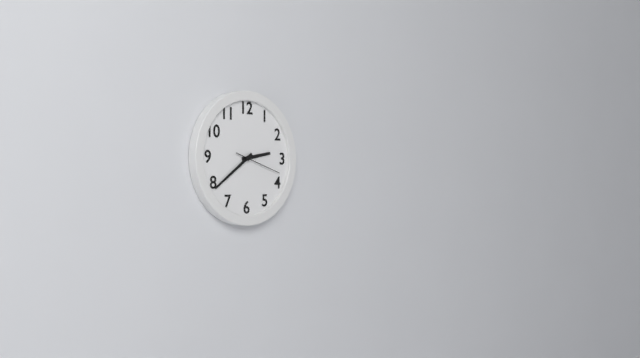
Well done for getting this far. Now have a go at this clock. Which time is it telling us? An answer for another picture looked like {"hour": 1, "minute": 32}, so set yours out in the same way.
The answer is {"hour": 2, "minute": 39}
